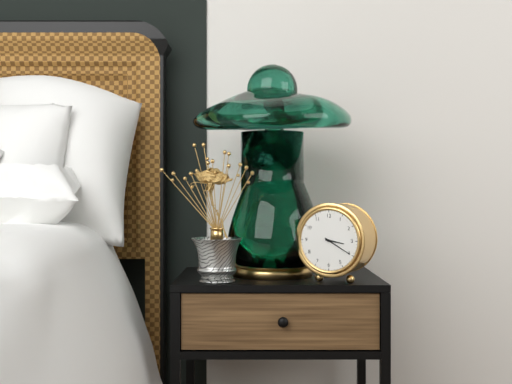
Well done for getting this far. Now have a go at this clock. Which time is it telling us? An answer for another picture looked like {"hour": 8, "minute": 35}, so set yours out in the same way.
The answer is {"hour": 3, "minute": 20}
